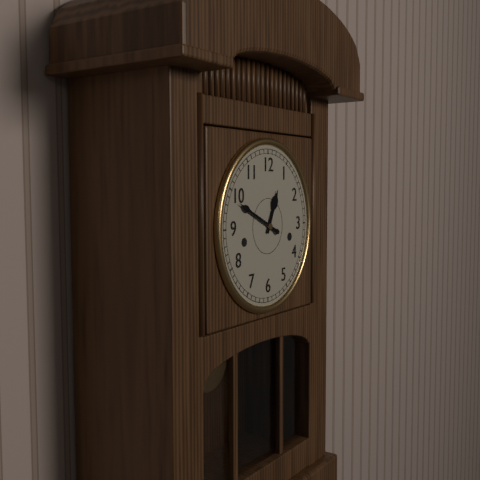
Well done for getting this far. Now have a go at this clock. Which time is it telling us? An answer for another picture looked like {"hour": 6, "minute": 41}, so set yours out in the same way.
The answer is {"hour": 12, "minute": 49}
